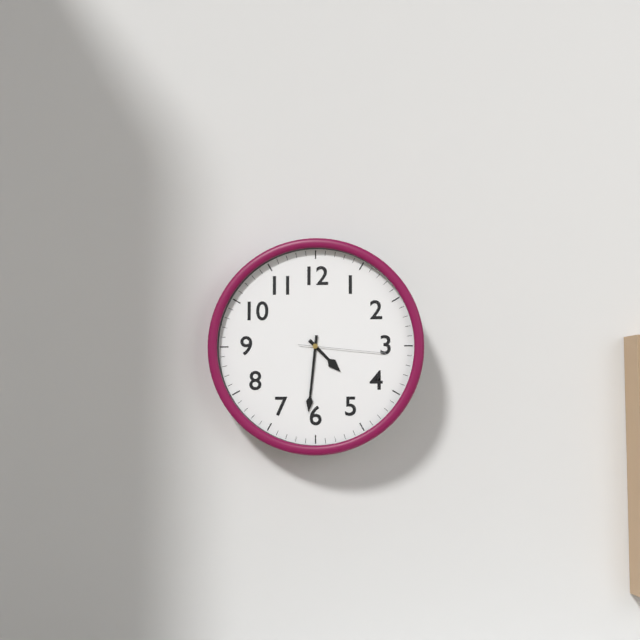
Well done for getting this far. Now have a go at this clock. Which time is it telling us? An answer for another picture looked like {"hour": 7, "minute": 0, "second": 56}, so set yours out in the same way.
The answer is {"hour": 4, "minute": 31, "second": 16}
